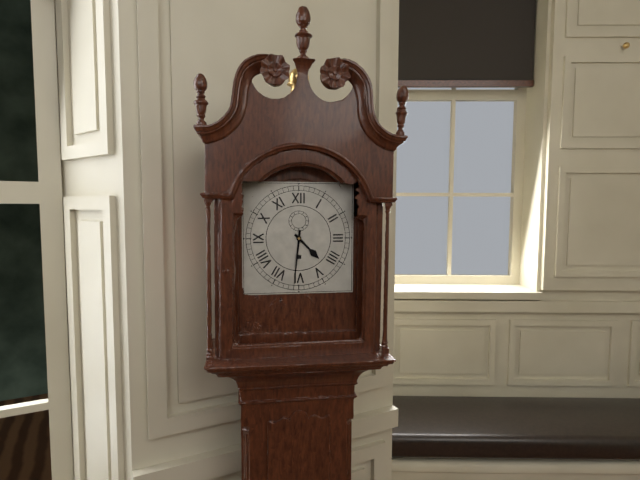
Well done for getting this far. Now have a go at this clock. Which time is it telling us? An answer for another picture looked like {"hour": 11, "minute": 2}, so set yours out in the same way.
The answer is {"hour": 4, "minute": 31}
